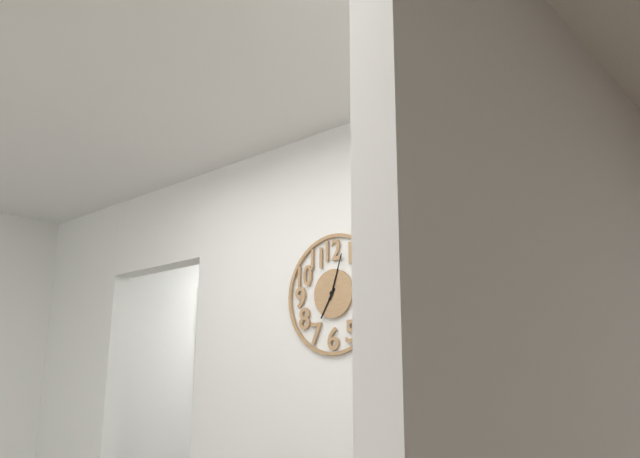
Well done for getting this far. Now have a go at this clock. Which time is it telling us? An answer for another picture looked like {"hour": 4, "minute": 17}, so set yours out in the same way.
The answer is {"hour": 7, "minute": 3}
